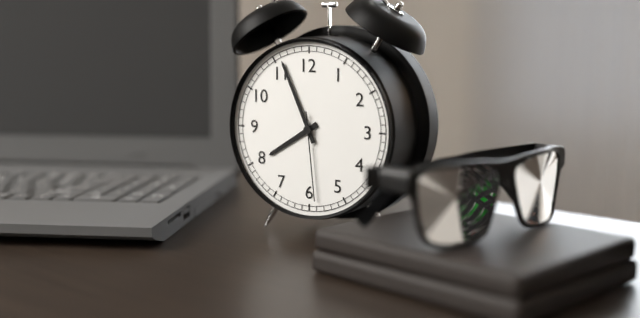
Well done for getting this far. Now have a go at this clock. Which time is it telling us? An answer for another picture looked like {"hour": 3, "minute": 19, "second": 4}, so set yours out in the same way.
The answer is {"hour": 7, "minute": 56, "second": 29}
